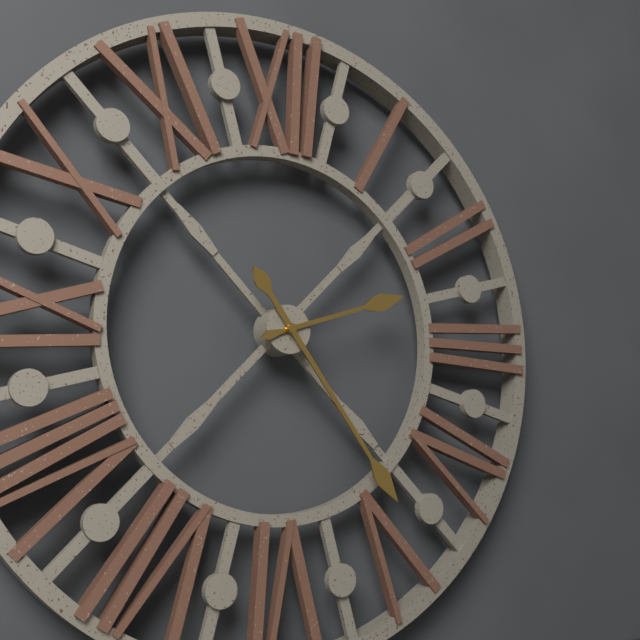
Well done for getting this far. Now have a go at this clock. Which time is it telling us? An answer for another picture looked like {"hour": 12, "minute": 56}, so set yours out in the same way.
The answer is {"hour": 2, "minute": 24}
